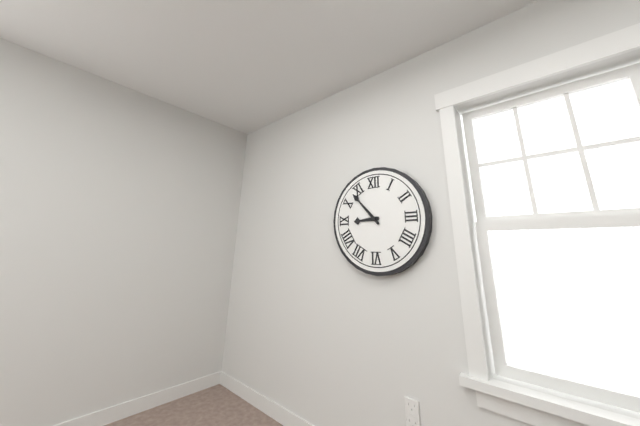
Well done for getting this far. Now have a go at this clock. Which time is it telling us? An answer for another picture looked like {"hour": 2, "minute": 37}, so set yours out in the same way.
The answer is {"hour": 8, "minute": 53}
